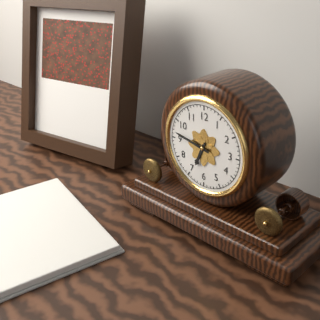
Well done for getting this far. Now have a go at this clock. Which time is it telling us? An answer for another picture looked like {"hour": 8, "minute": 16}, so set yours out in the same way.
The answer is {"hour": 6, "minute": 47}
